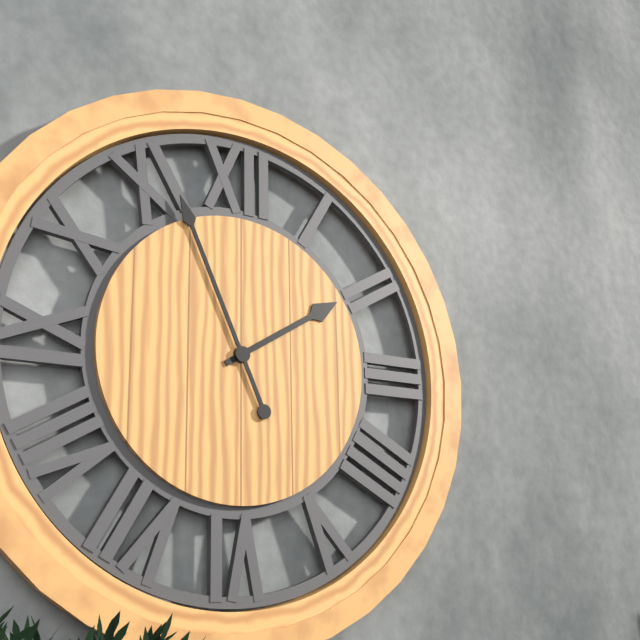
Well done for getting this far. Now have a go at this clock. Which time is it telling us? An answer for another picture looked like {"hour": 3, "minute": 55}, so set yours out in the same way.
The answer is {"hour": 1, "minute": 56}
